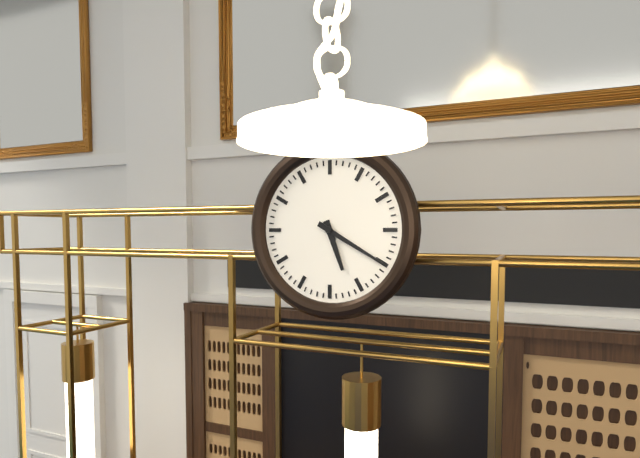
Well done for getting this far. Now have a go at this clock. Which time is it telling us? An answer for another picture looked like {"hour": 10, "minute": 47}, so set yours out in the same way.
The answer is {"hour": 5, "minute": 20}
